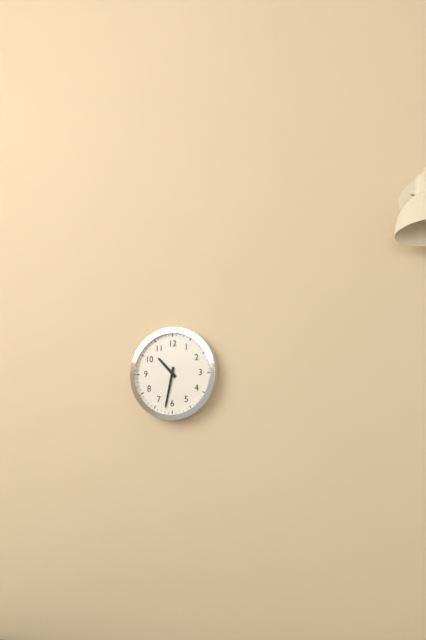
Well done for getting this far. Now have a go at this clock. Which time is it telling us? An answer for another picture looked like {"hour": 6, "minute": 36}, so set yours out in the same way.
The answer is {"hour": 10, "minute": 32}
